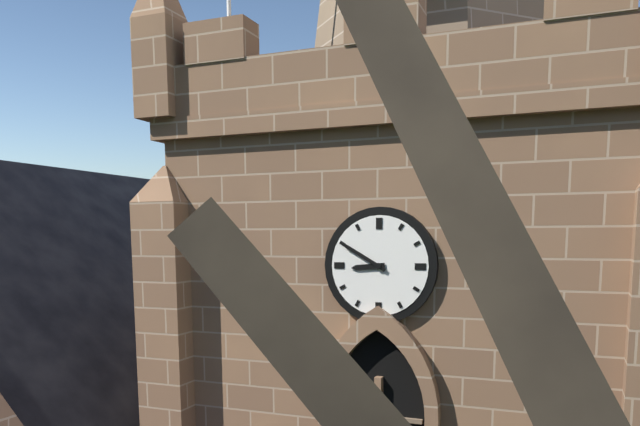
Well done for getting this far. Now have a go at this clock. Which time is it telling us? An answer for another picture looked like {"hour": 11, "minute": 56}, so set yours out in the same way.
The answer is {"hour": 8, "minute": 50}
